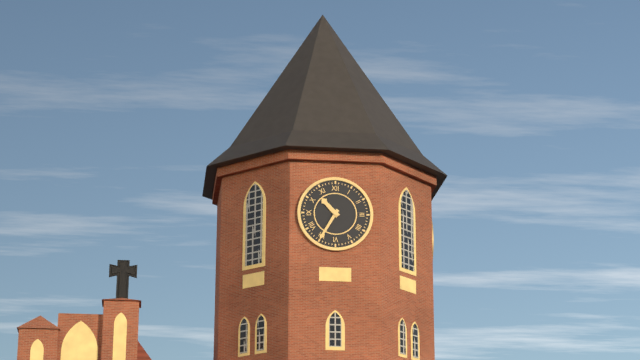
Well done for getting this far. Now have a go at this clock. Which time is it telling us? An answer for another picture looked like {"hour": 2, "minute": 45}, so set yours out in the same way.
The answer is {"hour": 10, "minute": 35}
